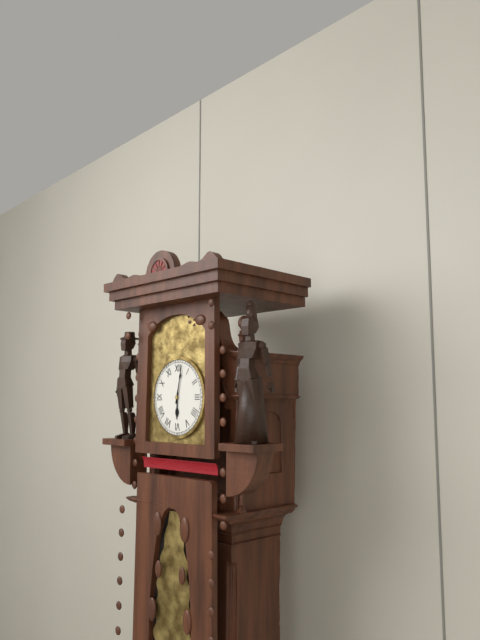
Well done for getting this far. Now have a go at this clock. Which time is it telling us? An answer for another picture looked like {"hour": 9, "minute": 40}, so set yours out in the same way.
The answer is {"hour": 6, "minute": 2}
